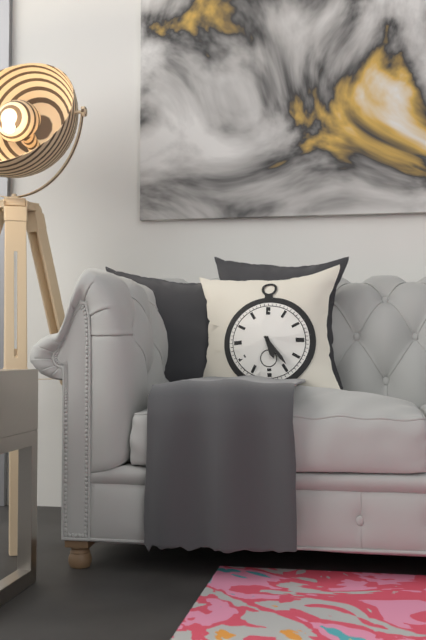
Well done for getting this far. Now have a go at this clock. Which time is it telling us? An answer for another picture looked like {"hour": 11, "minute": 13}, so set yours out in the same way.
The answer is {"hour": 5, "minute": 24}
